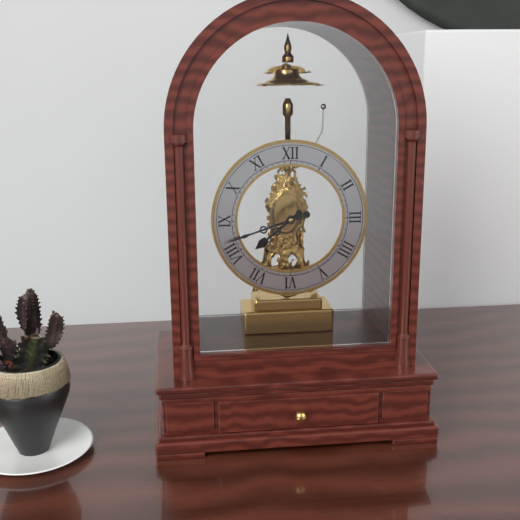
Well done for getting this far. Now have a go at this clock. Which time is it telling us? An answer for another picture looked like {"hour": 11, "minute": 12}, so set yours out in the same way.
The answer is {"hour": 7, "minute": 42}
